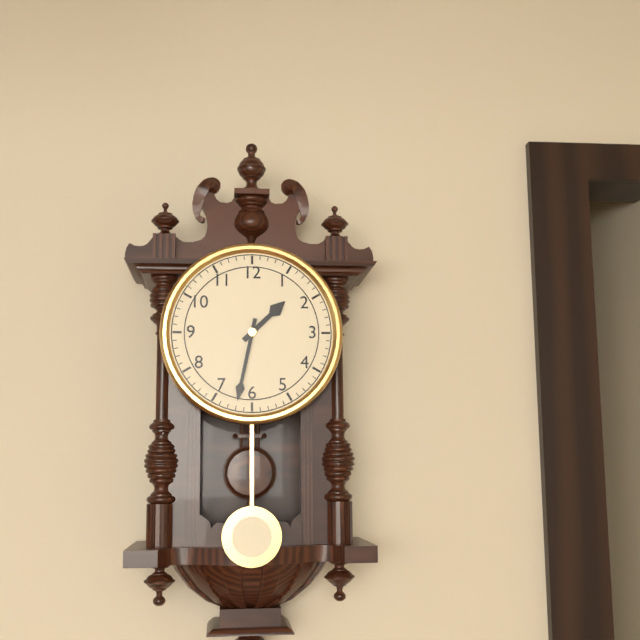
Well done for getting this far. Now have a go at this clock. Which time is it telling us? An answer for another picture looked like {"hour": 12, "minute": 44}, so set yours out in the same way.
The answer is {"hour": 1, "minute": 32}
